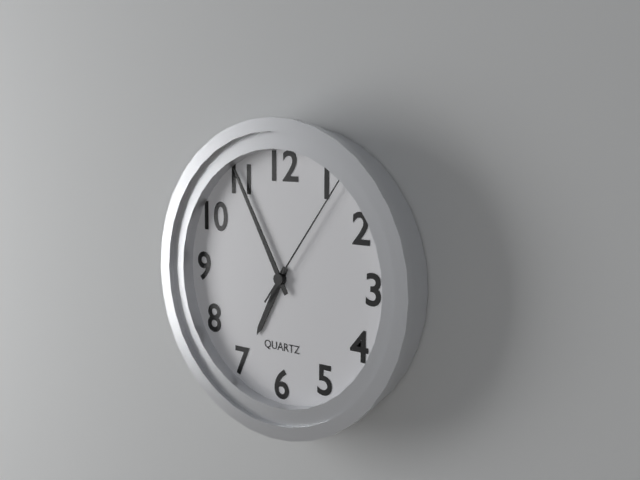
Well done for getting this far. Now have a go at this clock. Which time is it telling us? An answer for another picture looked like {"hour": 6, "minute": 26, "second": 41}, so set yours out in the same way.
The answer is {"hour": 6, "minute": 55, "second": 6}
